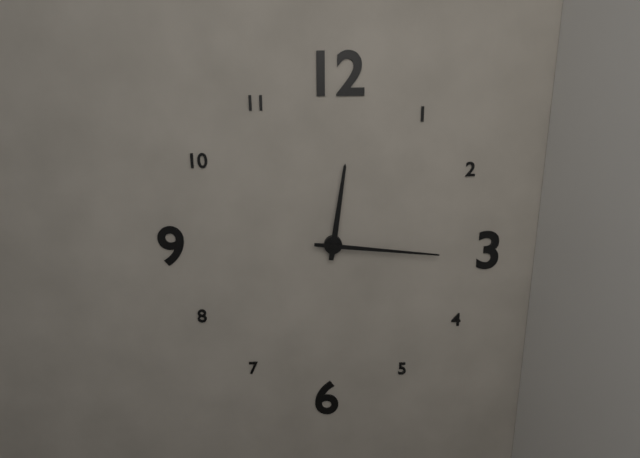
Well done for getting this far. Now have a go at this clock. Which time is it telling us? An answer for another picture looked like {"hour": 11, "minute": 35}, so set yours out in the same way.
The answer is {"hour": 12, "minute": 16}
